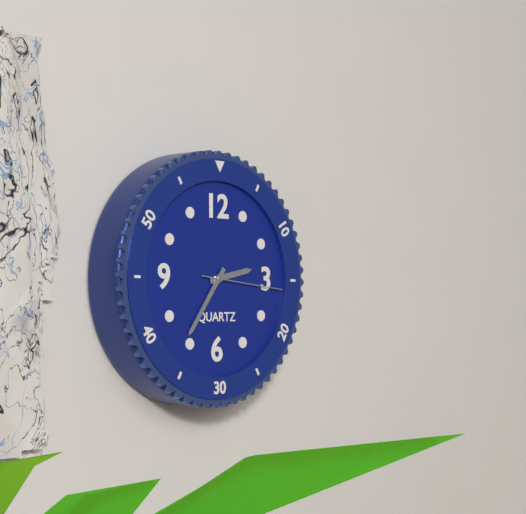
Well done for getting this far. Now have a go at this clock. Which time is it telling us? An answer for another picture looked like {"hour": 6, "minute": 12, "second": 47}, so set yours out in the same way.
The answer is {"hour": 2, "minute": 36, "second": 16}
